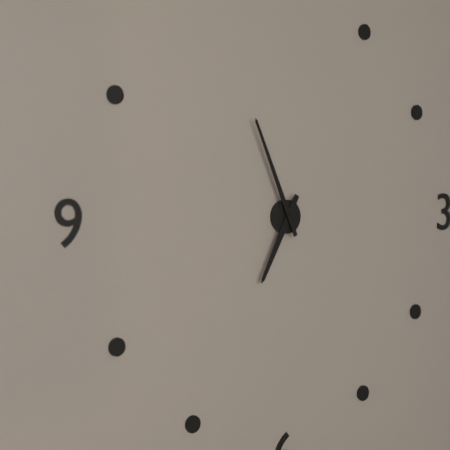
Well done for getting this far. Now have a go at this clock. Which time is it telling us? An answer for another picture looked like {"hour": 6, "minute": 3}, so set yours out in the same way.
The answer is {"hour": 6, "minute": 56}
